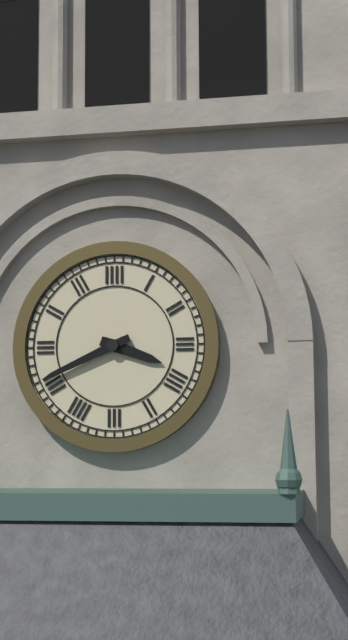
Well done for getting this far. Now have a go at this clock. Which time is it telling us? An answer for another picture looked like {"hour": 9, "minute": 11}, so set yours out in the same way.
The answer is {"hour": 3, "minute": 41}
